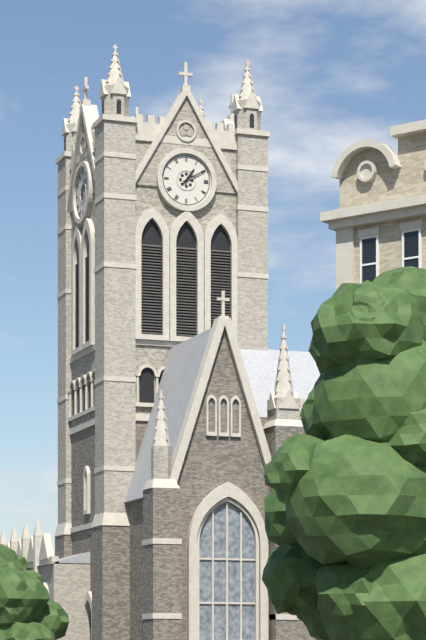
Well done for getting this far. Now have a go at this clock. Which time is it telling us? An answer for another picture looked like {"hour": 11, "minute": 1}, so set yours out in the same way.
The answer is {"hour": 1, "minute": 10}
